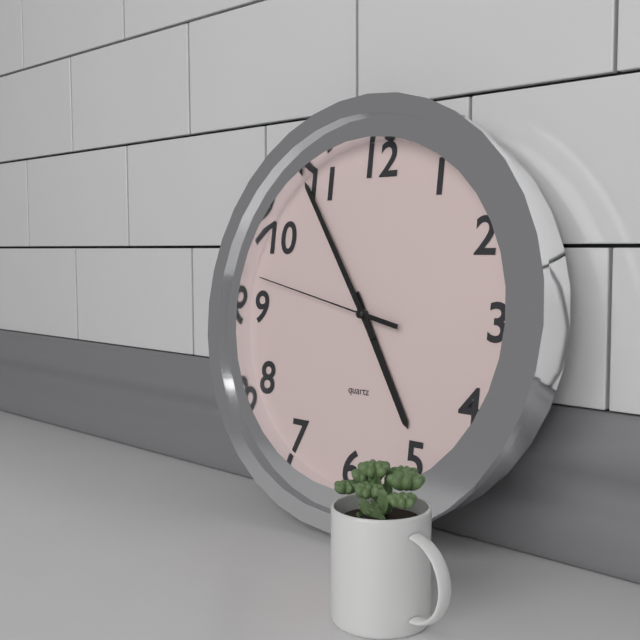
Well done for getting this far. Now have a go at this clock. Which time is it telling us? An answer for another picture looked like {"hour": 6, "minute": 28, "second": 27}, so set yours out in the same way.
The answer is {"hour": 4, "minute": 54, "second": 47}
